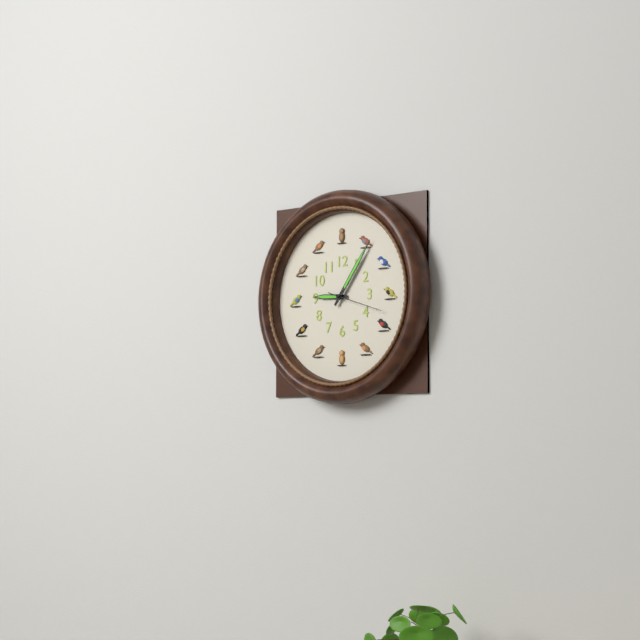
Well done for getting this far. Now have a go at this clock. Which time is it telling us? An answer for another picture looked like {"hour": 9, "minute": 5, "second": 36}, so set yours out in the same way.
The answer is {"hour": 9, "minute": 6, "second": 18}
